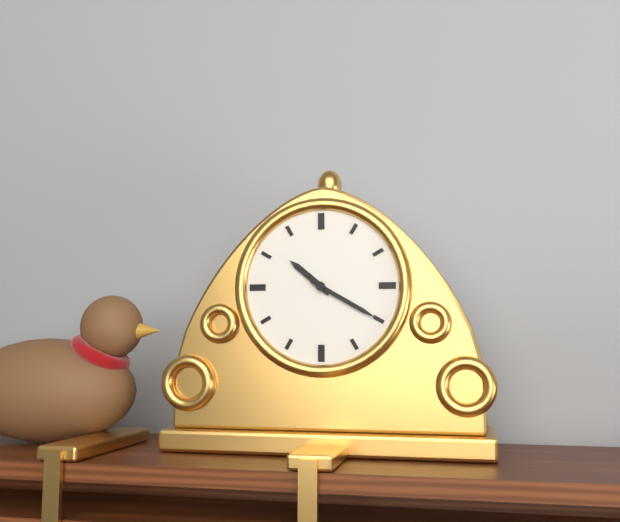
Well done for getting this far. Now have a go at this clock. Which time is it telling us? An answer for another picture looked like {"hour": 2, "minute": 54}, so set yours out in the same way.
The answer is {"hour": 10, "minute": 20}
